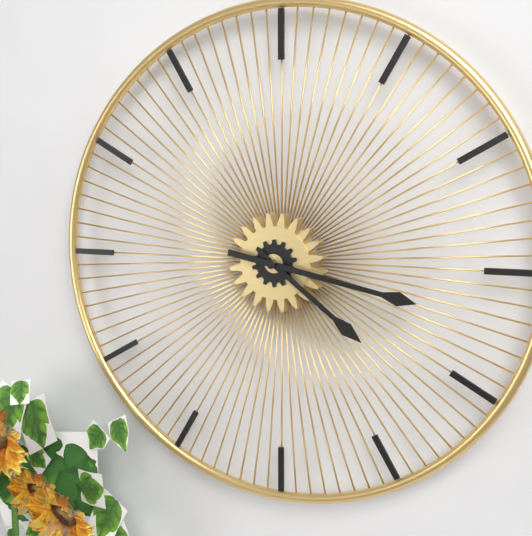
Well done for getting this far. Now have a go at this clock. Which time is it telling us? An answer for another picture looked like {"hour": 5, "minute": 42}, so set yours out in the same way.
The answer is {"hour": 4, "minute": 17}
